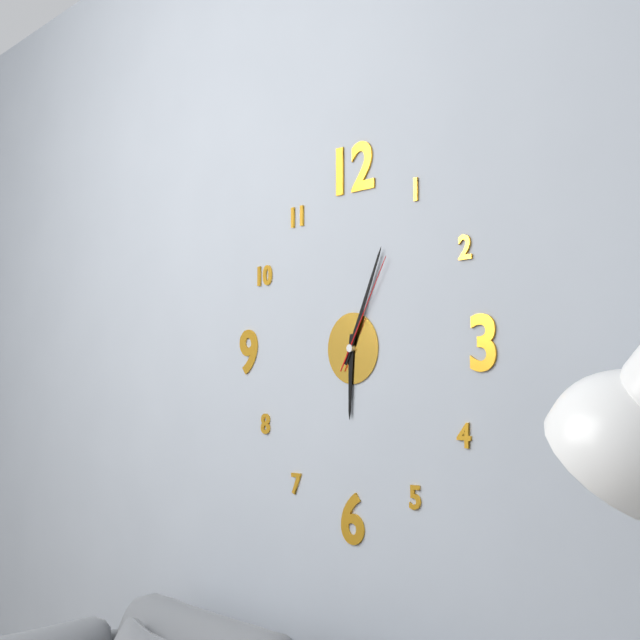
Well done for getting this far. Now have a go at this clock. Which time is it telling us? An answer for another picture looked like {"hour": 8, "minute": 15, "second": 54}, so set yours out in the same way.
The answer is {"hour": 6, "minute": 4, "second": 5}
